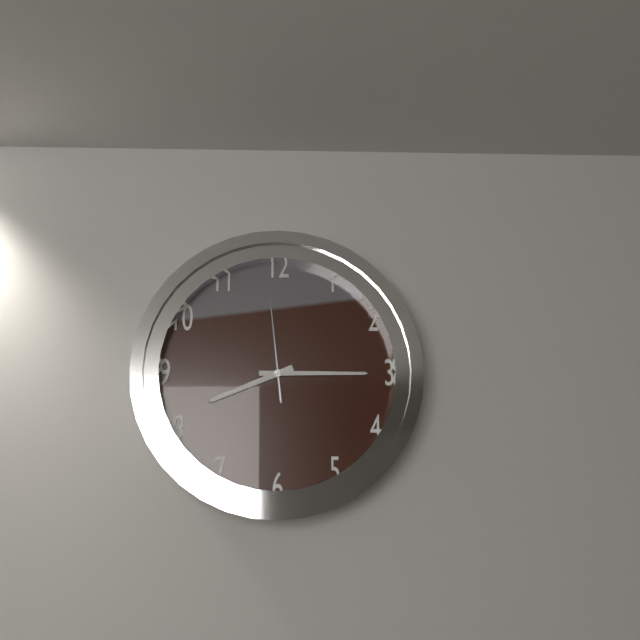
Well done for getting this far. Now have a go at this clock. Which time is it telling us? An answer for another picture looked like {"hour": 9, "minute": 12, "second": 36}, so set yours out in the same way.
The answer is {"hour": 8, "minute": 15, "second": 59}
